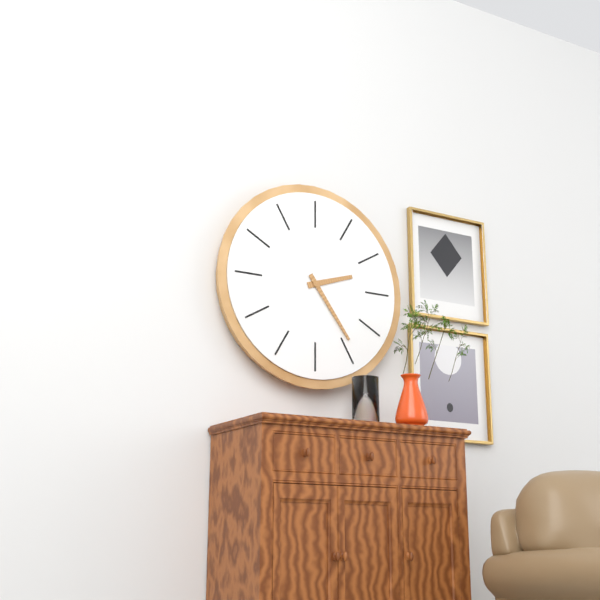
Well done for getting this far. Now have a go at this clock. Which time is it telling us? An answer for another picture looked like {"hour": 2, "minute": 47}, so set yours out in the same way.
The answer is {"hour": 2, "minute": 24}
